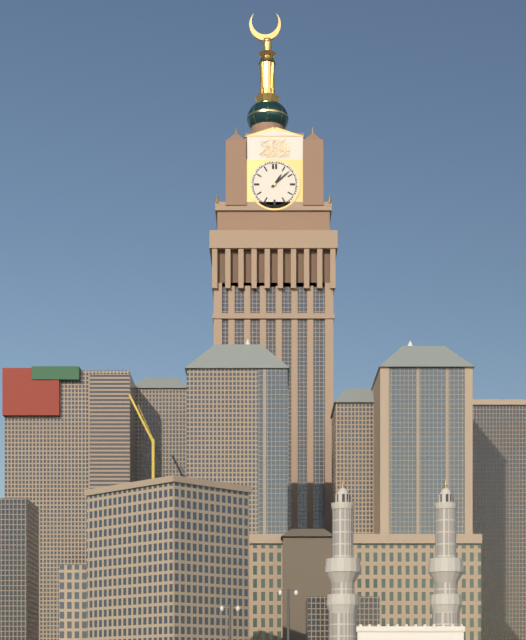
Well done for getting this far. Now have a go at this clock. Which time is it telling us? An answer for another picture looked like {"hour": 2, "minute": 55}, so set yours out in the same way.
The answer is {"hour": 1, "minute": 8}
